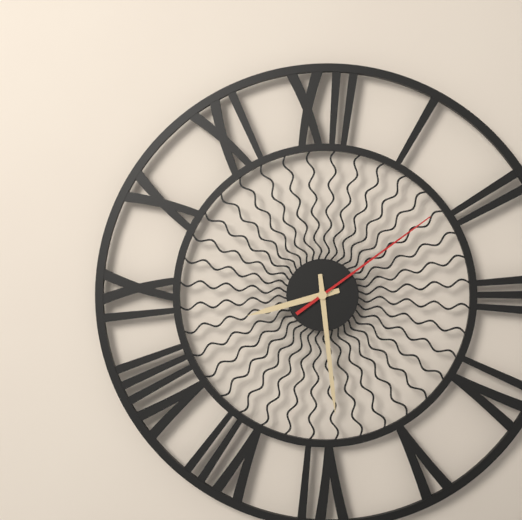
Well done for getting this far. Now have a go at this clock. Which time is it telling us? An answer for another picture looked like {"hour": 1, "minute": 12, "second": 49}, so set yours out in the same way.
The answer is {"hour": 8, "minute": 29, "second": 9}
